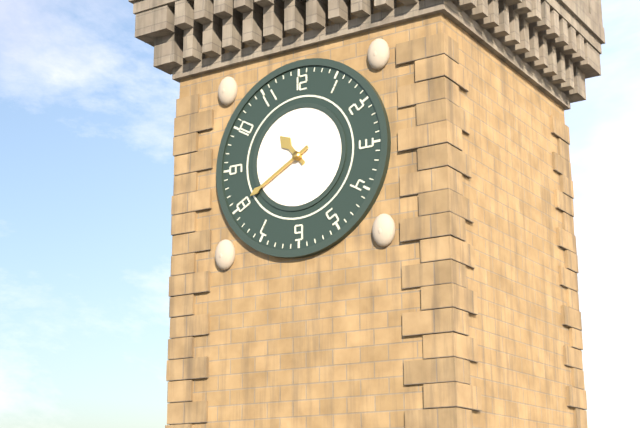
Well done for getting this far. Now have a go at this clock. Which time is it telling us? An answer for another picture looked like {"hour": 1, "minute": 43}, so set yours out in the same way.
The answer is {"hour": 10, "minute": 40}
